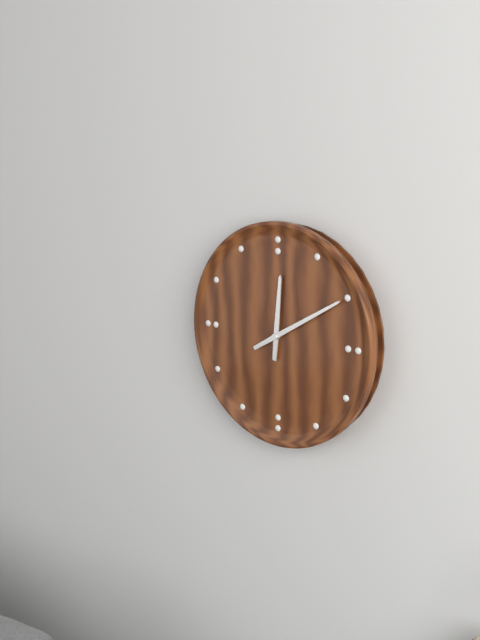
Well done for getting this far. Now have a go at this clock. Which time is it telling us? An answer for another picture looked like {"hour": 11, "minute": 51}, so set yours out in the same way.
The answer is {"hour": 12, "minute": 10}
